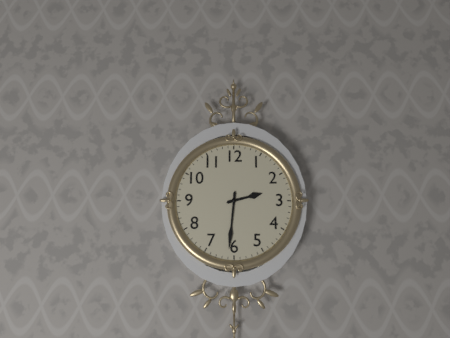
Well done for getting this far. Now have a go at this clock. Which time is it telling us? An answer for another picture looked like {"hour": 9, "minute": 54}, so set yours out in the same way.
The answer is {"hour": 2, "minute": 31}
